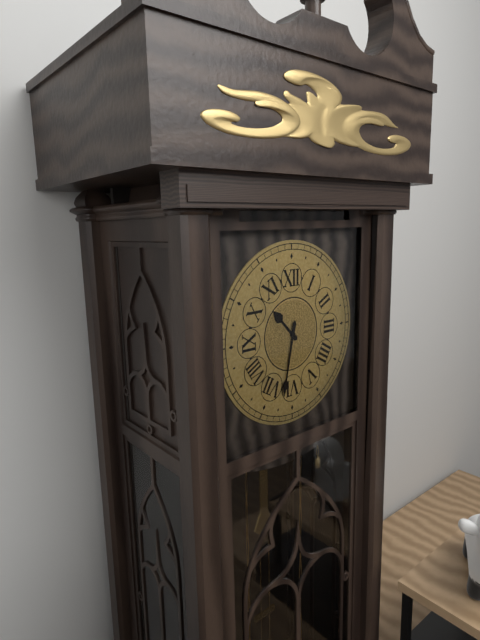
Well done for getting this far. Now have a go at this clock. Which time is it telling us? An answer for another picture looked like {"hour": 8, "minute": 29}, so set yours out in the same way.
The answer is {"hour": 10, "minute": 32}
